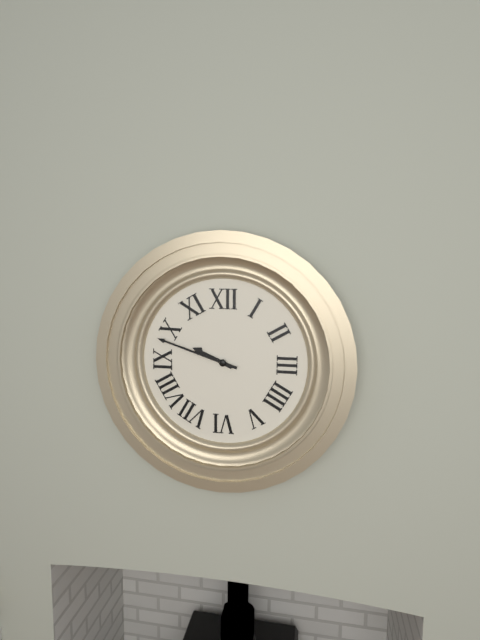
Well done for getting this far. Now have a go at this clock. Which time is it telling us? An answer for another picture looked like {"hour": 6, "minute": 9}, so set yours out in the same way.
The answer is {"hour": 9, "minute": 48}
